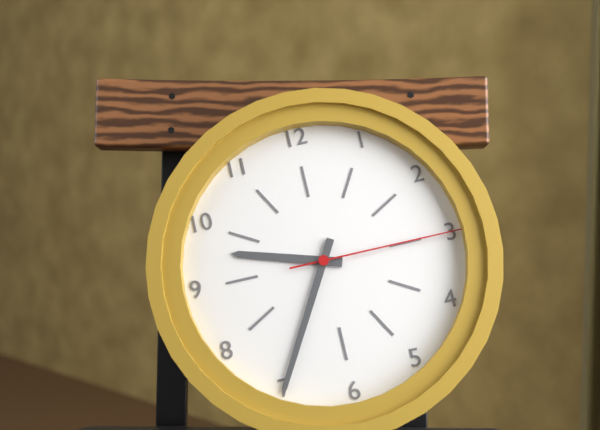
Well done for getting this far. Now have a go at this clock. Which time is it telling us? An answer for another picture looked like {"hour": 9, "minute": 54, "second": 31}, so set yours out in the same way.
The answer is {"hour": 9, "minute": 35, "second": 15}
